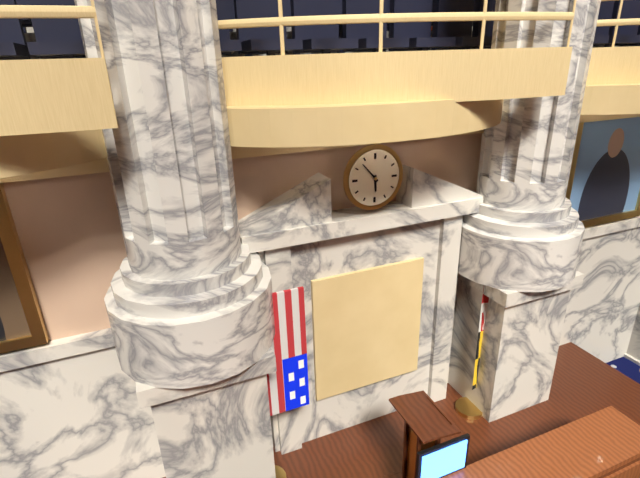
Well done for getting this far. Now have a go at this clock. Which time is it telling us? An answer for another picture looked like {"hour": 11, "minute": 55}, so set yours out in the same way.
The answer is {"hour": 5, "minute": 53}
